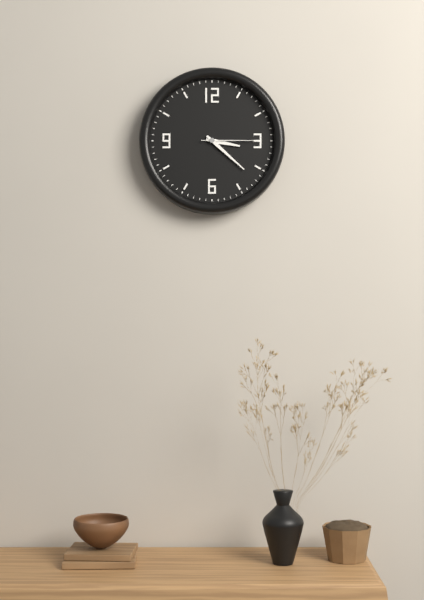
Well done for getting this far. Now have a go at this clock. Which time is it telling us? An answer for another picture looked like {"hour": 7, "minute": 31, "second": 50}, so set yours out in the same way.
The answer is {"hour": 3, "minute": 22, "second": 15}
